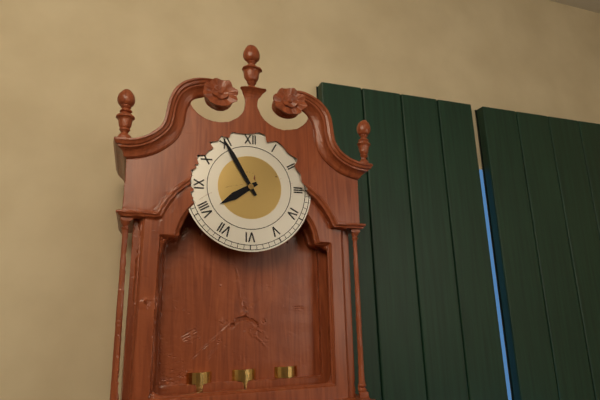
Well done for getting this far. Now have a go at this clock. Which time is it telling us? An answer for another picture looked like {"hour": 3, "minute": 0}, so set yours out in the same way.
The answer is {"hour": 7, "minute": 55}
